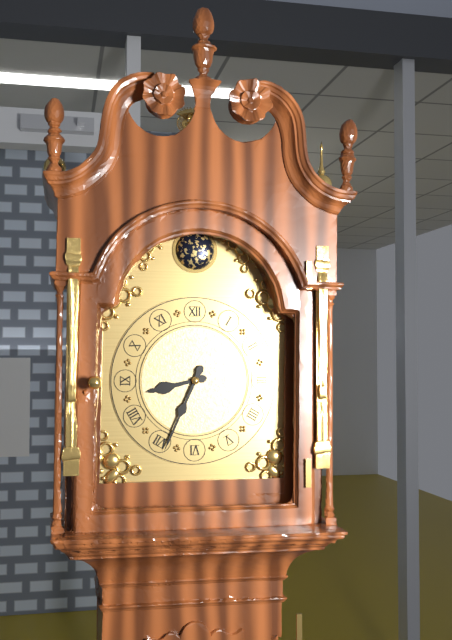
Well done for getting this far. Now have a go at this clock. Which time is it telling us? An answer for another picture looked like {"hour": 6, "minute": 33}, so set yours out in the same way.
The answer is {"hour": 8, "minute": 34}
